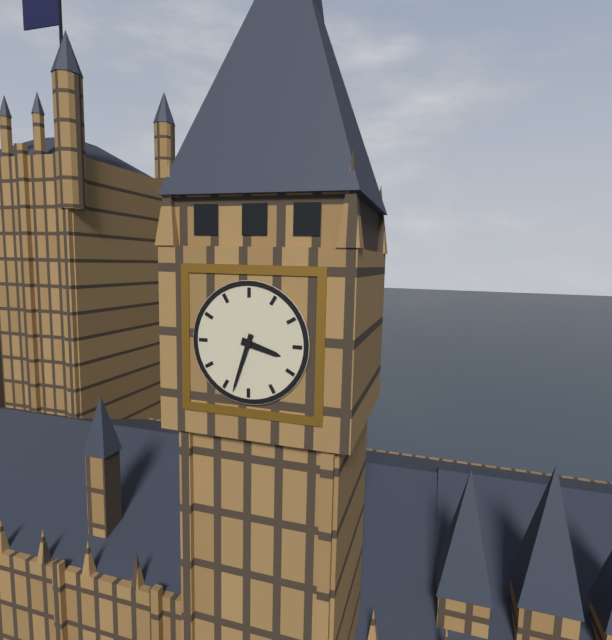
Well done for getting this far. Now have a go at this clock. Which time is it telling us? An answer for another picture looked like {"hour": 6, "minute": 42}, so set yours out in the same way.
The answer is {"hour": 3, "minute": 33}
